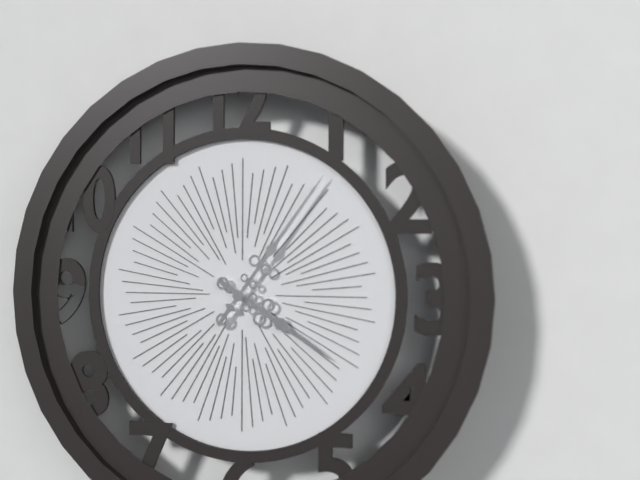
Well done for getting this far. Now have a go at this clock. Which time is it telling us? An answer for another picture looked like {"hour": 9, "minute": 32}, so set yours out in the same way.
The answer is {"hour": 4, "minute": 6}
